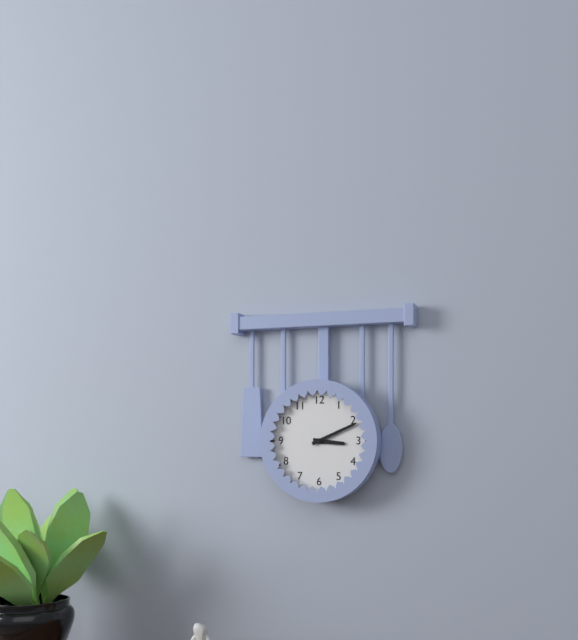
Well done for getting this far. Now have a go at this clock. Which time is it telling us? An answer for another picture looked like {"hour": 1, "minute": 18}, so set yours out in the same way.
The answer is {"hour": 3, "minute": 11}
